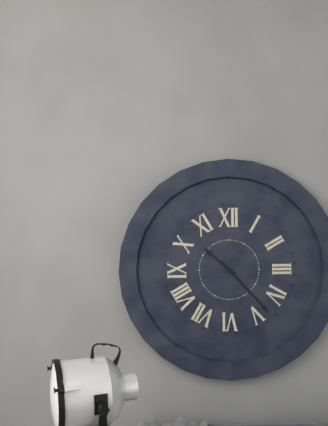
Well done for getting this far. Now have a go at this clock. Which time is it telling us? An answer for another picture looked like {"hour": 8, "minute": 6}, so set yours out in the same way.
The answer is {"hour": 10, "minute": 23}
